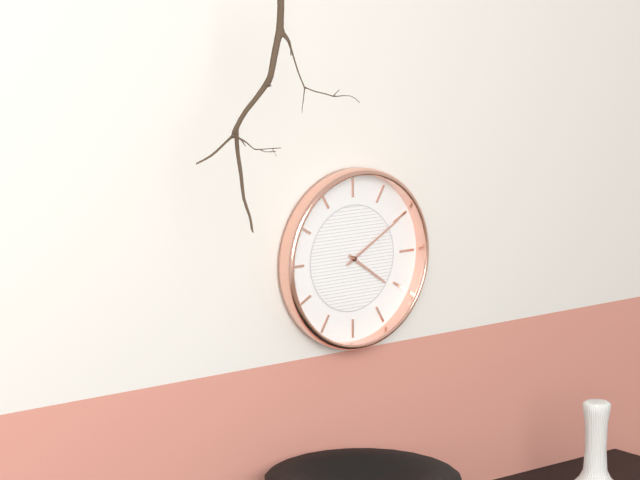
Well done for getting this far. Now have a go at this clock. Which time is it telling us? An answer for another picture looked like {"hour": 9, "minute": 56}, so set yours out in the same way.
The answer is {"hour": 4, "minute": 10}
